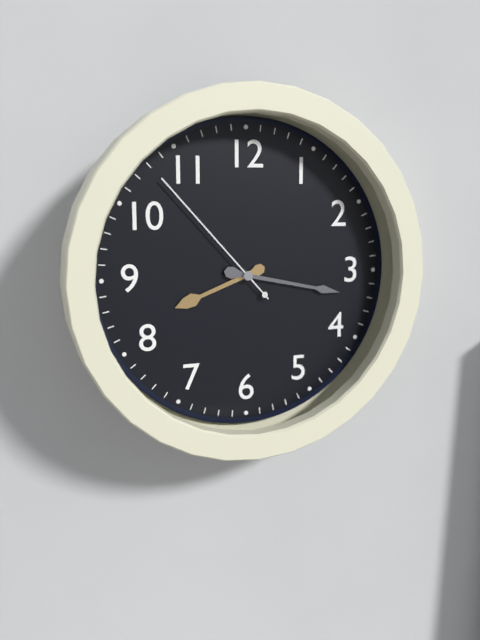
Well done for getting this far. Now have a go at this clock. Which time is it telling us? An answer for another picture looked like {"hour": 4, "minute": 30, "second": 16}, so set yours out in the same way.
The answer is {"hour": 8, "minute": 17, "second": 53}
